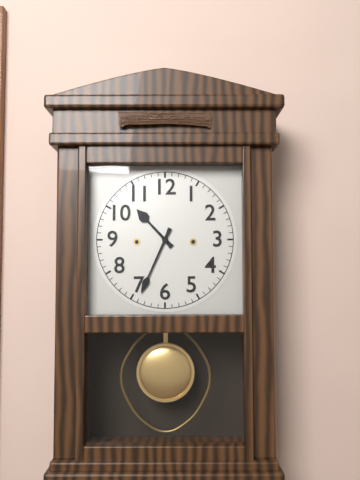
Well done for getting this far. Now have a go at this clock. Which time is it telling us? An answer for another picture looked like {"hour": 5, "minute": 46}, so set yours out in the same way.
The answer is {"hour": 10, "minute": 34}
